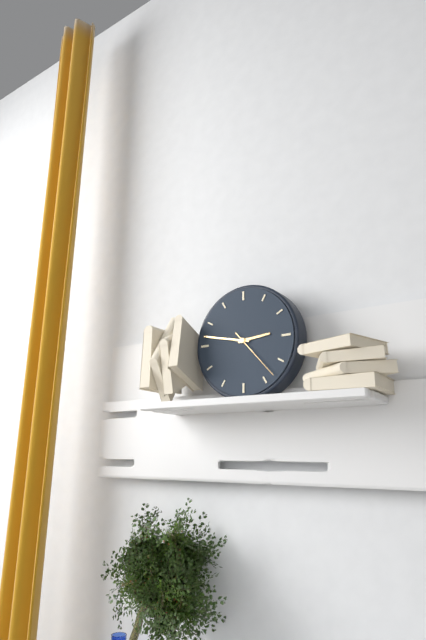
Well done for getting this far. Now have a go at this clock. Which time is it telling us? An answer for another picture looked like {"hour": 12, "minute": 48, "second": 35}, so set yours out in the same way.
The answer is {"hour": 2, "minute": 47, "second": 23}
